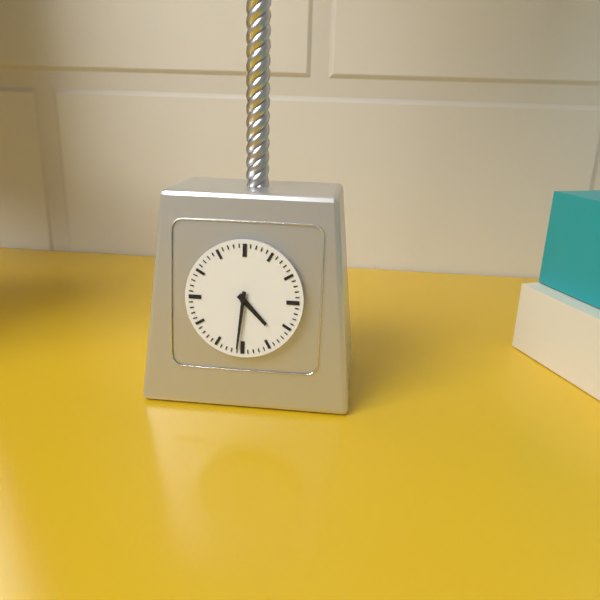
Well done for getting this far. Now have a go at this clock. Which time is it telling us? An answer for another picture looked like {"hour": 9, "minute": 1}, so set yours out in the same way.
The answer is {"hour": 4, "minute": 31}
